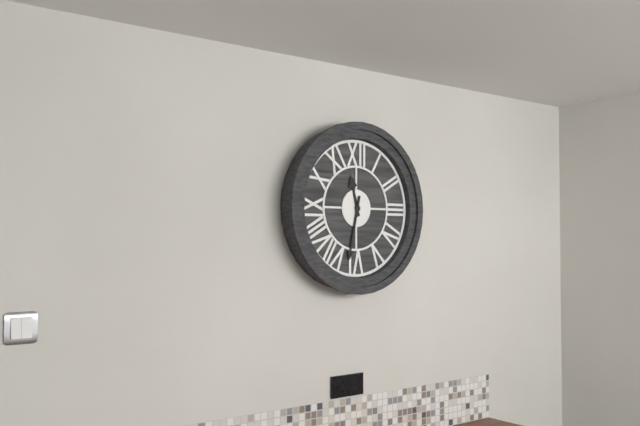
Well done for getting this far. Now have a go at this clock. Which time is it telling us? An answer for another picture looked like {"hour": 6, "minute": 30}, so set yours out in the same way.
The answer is {"hour": 11, "minute": 32}
